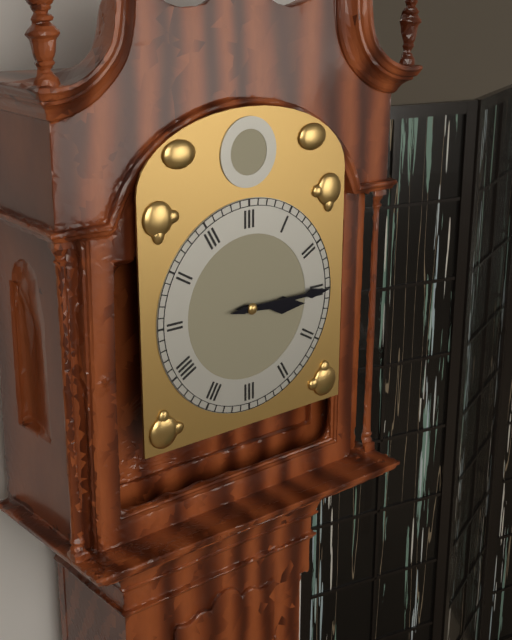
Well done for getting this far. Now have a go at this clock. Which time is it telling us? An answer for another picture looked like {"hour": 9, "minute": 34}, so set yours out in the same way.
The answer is {"hour": 3, "minute": 15}
